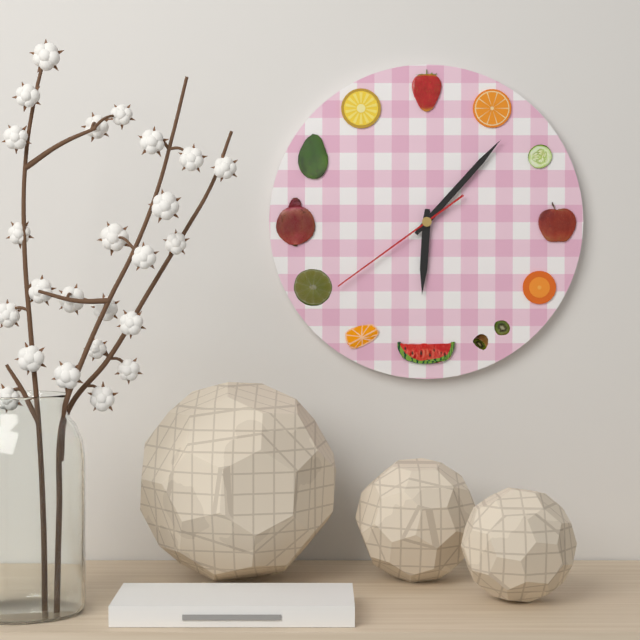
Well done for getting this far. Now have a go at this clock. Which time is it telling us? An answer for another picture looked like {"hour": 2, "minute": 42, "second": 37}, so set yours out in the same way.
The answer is {"hour": 6, "minute": 7, "second": 39}
